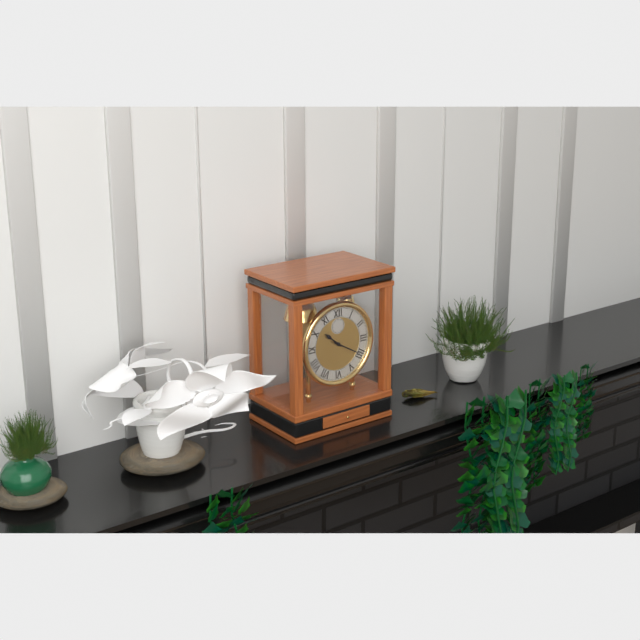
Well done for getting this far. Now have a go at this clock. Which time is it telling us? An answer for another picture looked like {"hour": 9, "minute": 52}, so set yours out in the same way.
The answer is {"hour": 10, "minute": 20}
